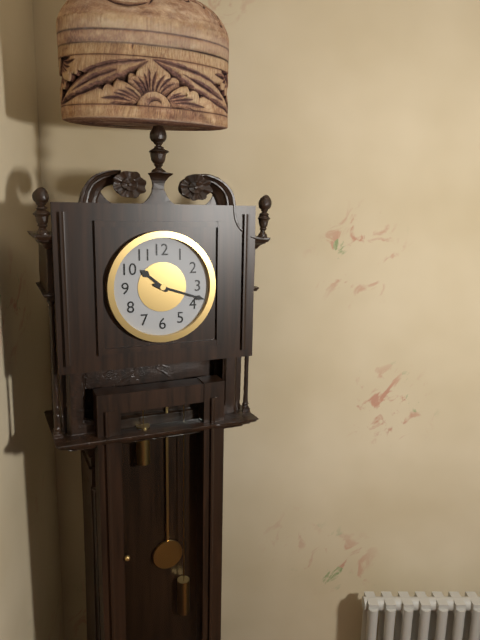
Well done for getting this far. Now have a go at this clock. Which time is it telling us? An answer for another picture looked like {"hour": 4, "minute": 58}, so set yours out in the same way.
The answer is {"hour": 10, "minute": 18}
